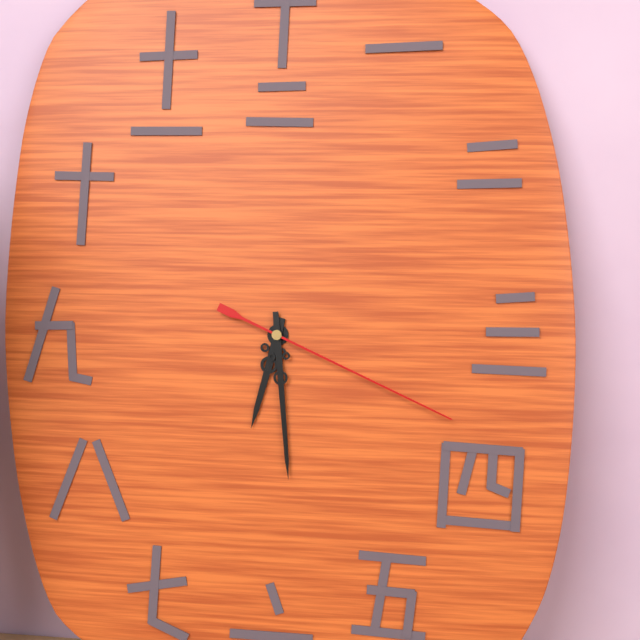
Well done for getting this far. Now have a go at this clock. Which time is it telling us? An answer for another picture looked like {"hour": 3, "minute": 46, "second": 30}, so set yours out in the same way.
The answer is {"hour": 6, "minute": 29, "second": 19}
